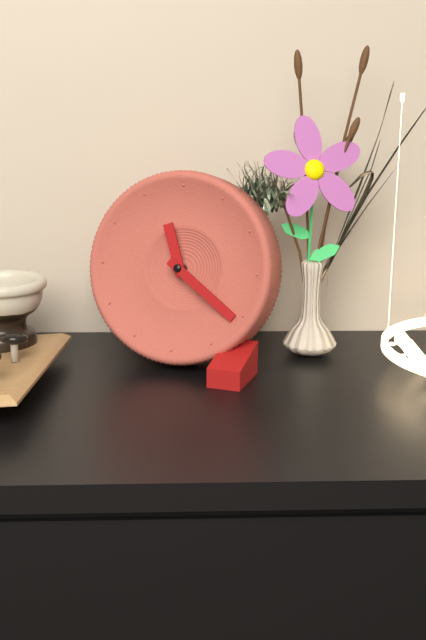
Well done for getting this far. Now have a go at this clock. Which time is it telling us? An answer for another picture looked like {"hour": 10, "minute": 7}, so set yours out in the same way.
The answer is {"hour": 11, "minute": 21}
